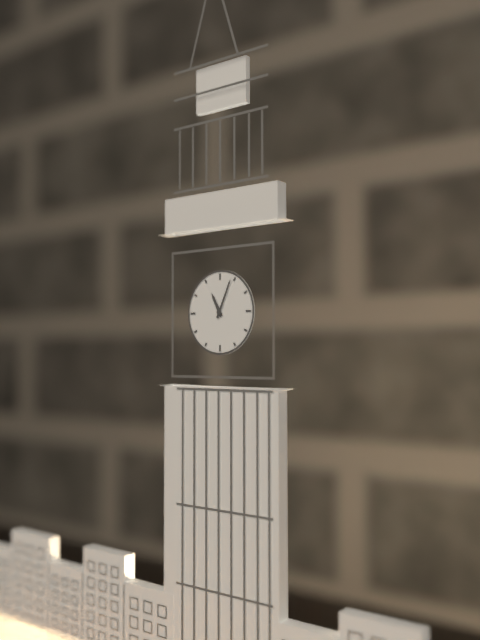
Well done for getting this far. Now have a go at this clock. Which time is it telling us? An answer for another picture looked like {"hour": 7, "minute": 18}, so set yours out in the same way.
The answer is {"hour": 11, "minute": 4}
